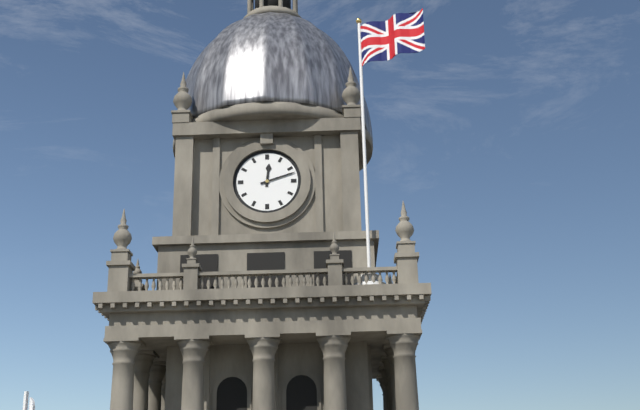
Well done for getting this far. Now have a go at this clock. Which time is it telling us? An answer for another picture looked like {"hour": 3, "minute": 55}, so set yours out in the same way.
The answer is {"hour": 12, "minute": 12}
